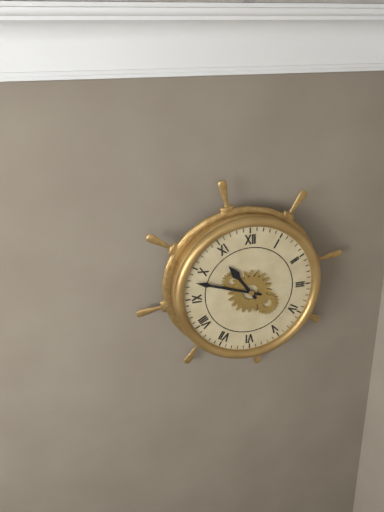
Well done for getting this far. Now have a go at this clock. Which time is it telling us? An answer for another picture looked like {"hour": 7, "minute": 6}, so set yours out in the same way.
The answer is {"hour": 10, "minute": 48}
